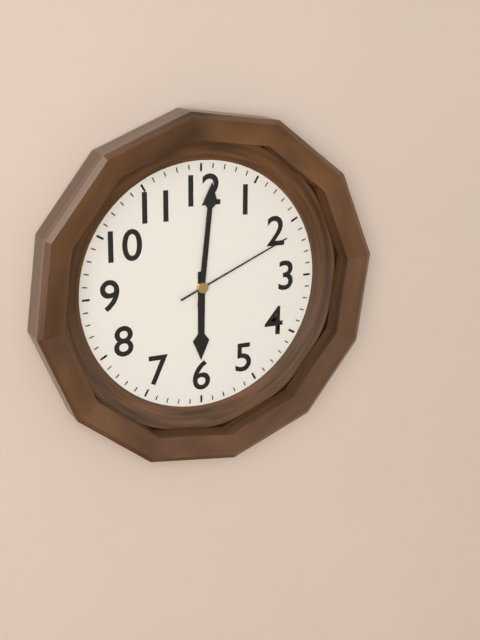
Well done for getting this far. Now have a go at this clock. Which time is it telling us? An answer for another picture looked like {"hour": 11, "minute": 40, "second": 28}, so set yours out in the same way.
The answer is {"hour": 6, "minute": 1, "second": 11}
